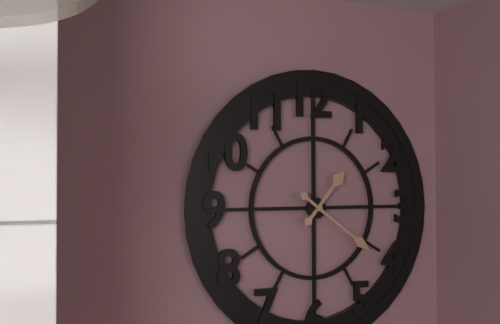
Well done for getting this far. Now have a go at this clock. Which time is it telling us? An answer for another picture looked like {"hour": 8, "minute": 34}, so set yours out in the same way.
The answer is {"hour": 1, "minute": 21}
